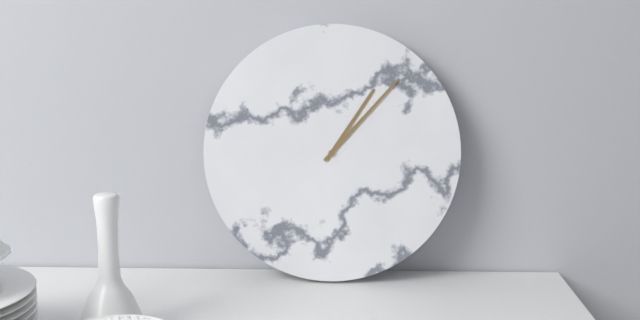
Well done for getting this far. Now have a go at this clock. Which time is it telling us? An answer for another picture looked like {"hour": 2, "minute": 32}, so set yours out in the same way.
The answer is {"hour": 1, "minute": 7}
